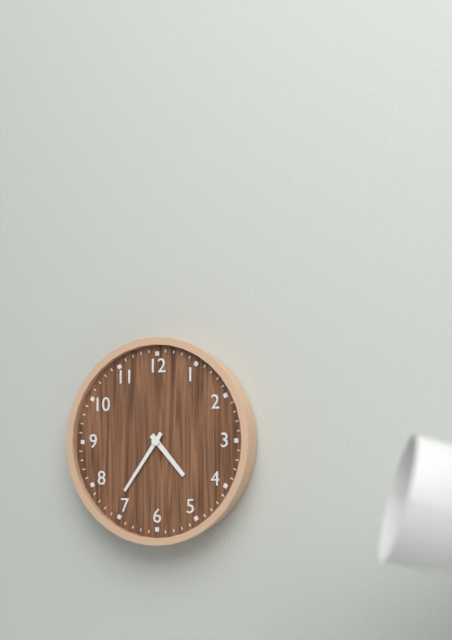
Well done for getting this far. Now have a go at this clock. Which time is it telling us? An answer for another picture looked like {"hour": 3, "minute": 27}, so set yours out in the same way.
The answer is {"hour": 4, "minute": 36}
